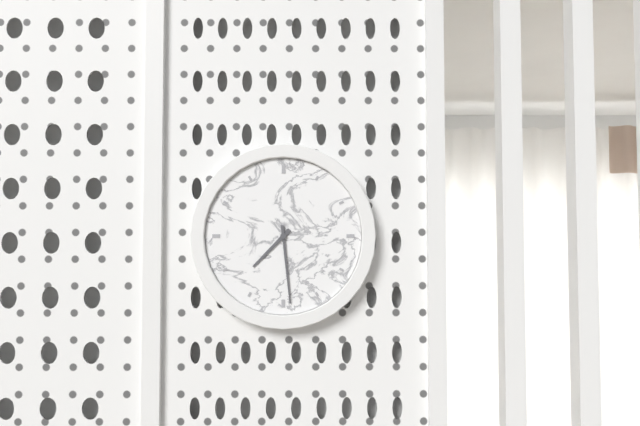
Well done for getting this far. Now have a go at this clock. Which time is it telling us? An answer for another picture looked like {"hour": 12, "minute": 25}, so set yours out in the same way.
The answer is {"hour": 7, "minute": 29}
